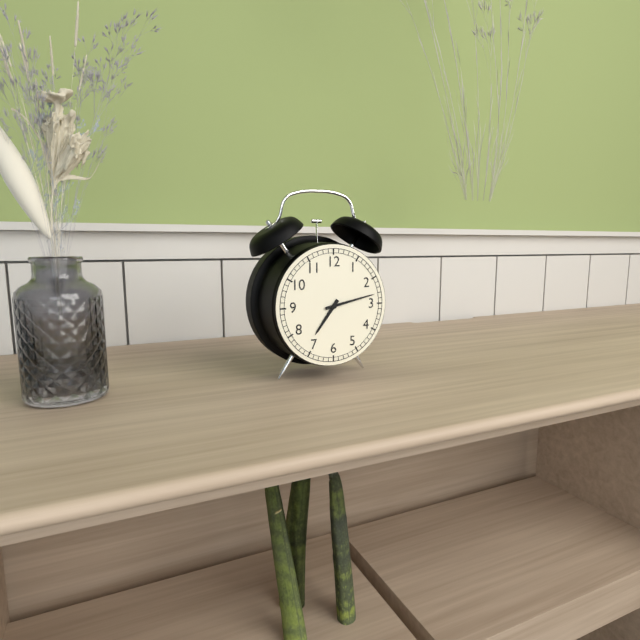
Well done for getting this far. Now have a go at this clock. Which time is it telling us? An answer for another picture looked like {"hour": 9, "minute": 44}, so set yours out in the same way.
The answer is {"hour": 7, "minute": 13}
